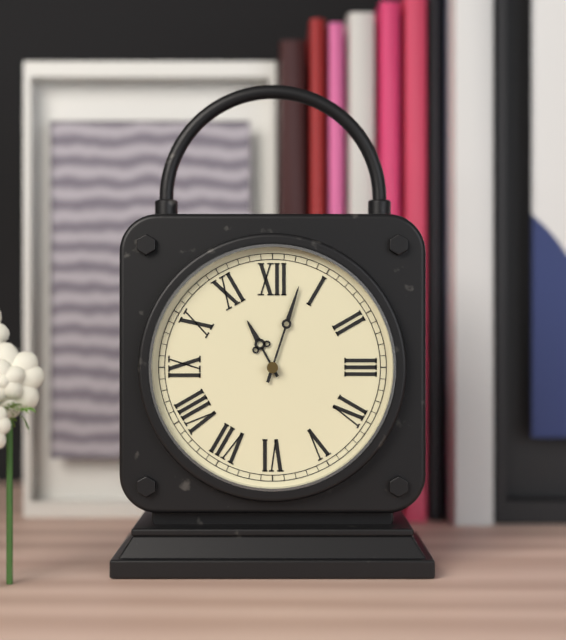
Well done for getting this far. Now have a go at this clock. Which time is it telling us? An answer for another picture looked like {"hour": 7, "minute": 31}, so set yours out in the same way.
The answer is {"hour": 11, "minute": 3}
